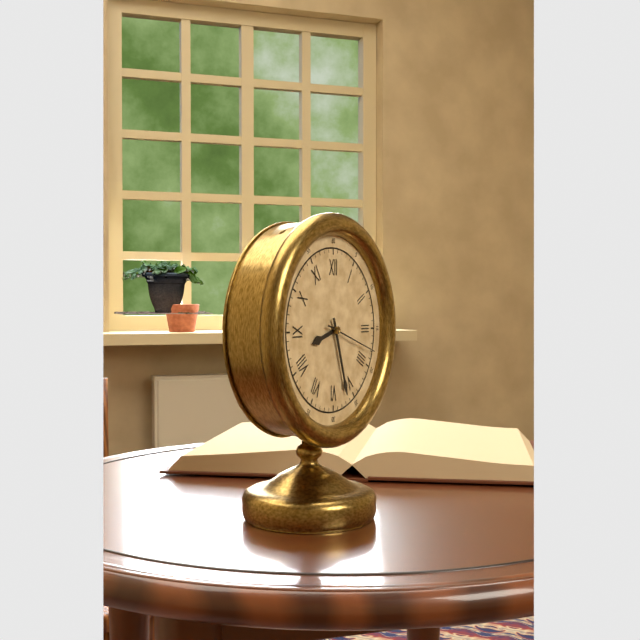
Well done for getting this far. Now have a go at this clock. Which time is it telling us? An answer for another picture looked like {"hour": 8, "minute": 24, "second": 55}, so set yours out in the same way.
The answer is {"hour": 8, "minute": 27, "second": 18}
